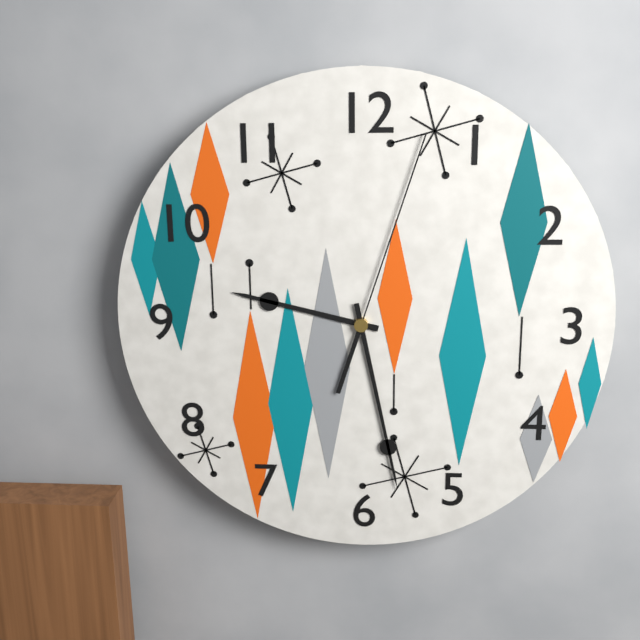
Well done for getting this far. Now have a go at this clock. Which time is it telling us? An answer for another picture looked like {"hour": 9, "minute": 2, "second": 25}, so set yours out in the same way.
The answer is {"hour": 9, "minute": 28, "second": 3}
